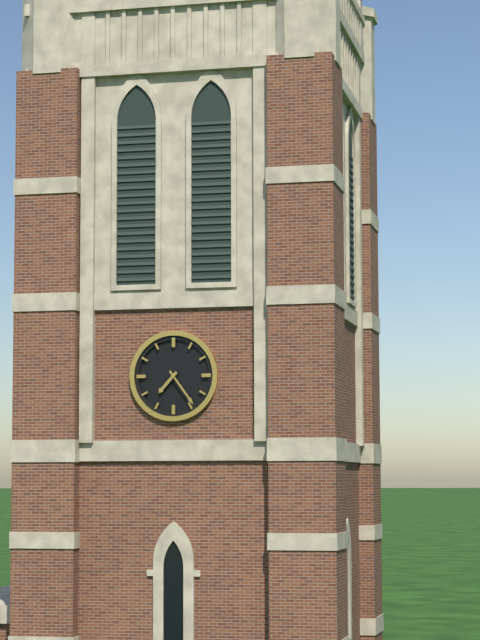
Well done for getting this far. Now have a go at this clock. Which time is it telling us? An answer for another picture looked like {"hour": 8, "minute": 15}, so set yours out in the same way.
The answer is {"hour": 7, "minute": 24}
